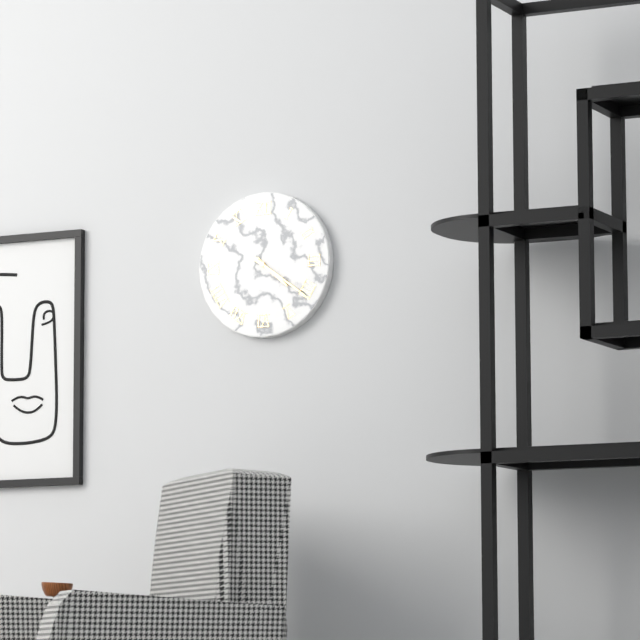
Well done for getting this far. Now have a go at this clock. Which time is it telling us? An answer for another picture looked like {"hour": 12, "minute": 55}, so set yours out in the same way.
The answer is {"hour": 4, "minute": 21}
